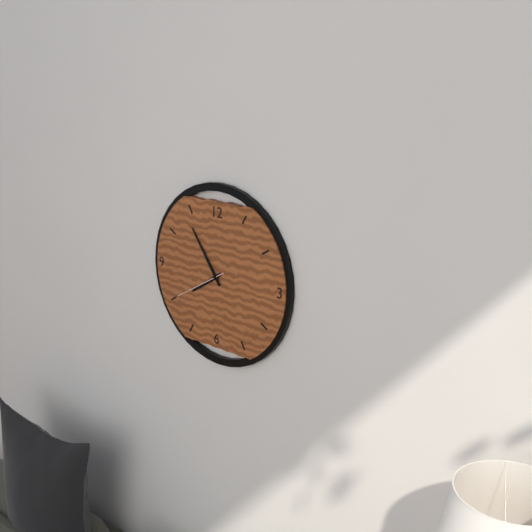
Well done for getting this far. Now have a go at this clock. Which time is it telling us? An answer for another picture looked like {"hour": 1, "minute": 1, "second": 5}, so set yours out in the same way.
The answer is {"hour": 7, "minute": 54, "second": 40}
